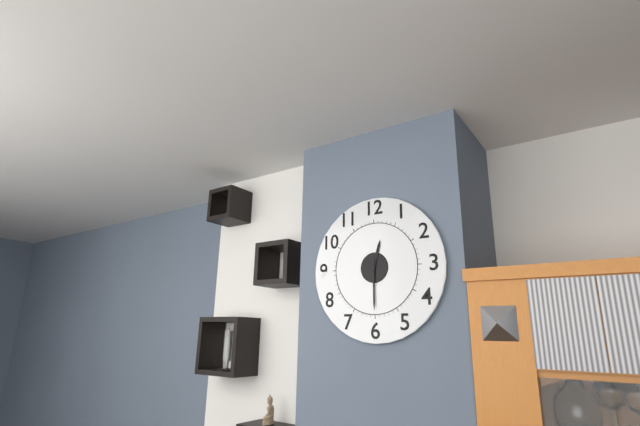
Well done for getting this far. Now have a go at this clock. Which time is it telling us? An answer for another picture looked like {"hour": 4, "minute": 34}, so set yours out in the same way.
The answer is {"hour": 12, "minute": 30}
